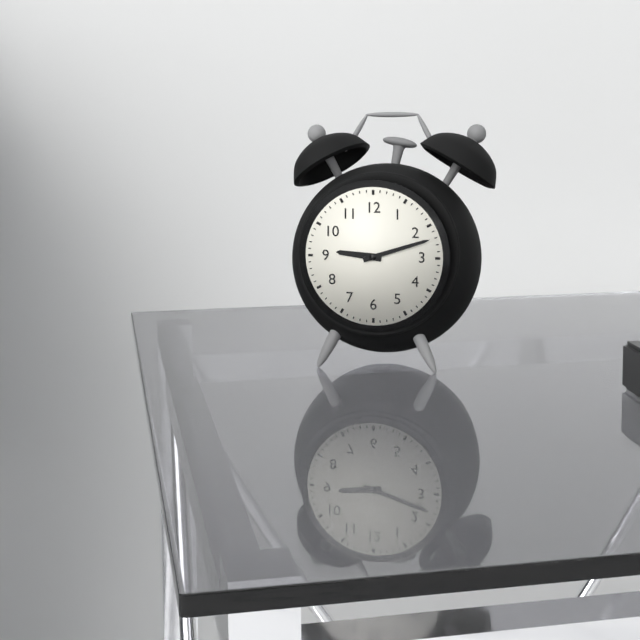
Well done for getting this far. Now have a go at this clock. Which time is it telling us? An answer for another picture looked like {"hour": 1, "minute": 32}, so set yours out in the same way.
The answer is {"hour": 9, "minute": 12}
